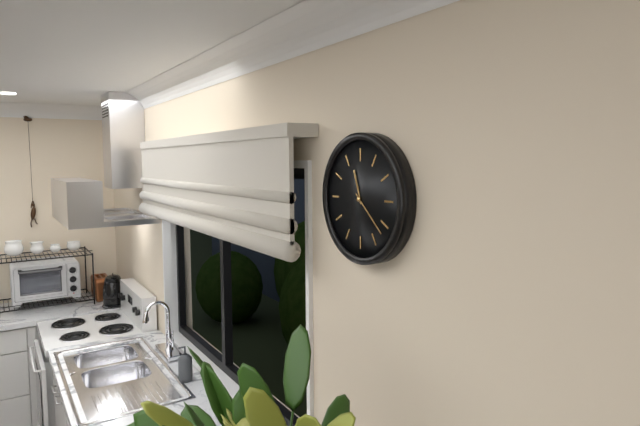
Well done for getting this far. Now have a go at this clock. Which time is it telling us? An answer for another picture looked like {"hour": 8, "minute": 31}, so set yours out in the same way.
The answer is {"hour": 11, "minute": 22}
